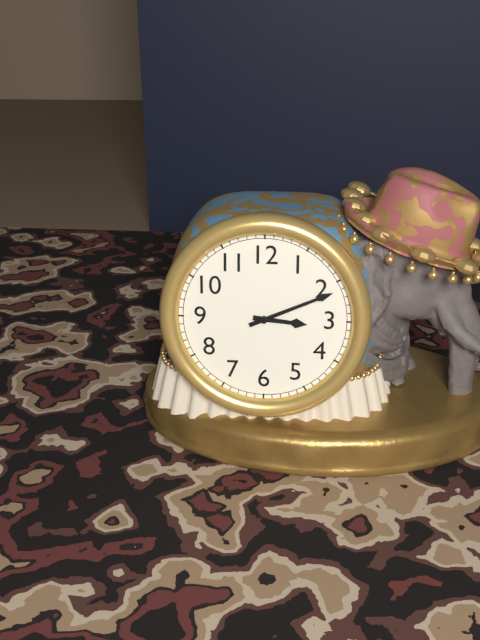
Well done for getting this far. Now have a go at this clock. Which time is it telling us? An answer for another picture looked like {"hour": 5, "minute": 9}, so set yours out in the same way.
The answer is {"hour": 3, "minute": 11}
